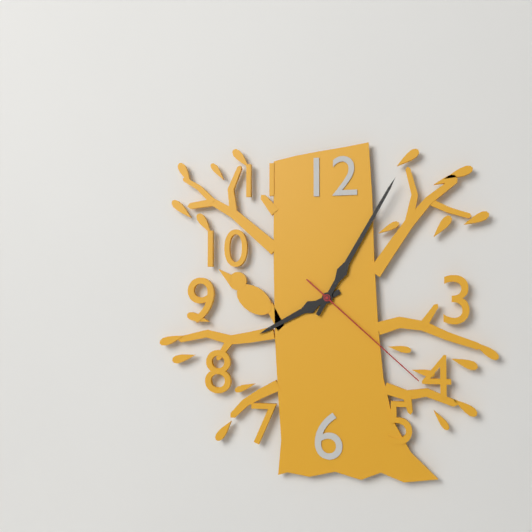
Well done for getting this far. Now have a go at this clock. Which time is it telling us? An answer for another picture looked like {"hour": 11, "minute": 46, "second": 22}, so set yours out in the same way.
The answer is {"hour": 8, "minute": 5, "second": 22}
